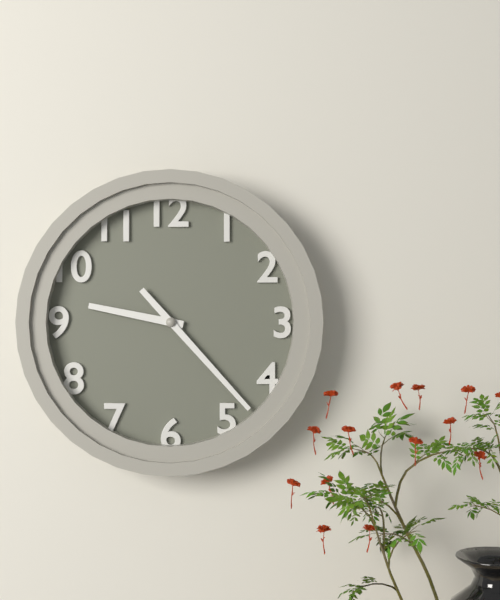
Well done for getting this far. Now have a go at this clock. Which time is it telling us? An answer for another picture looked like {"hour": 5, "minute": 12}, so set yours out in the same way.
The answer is {"hour": 9, "minute": 23}
